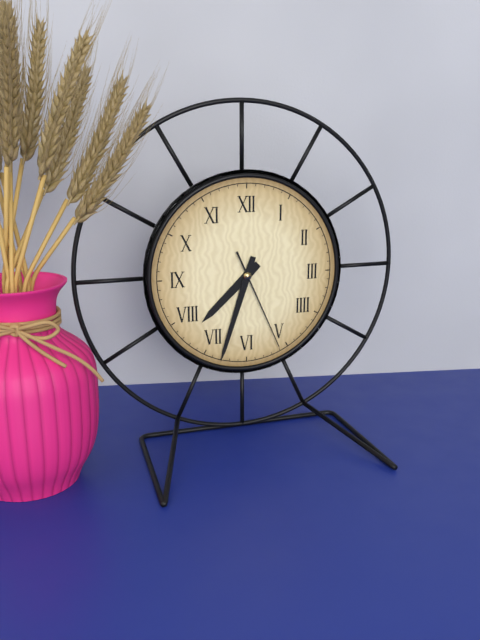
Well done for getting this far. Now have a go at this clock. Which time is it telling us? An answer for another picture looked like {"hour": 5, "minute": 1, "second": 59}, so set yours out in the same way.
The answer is {"hour": 7, "minute": 33, "second": 26}
